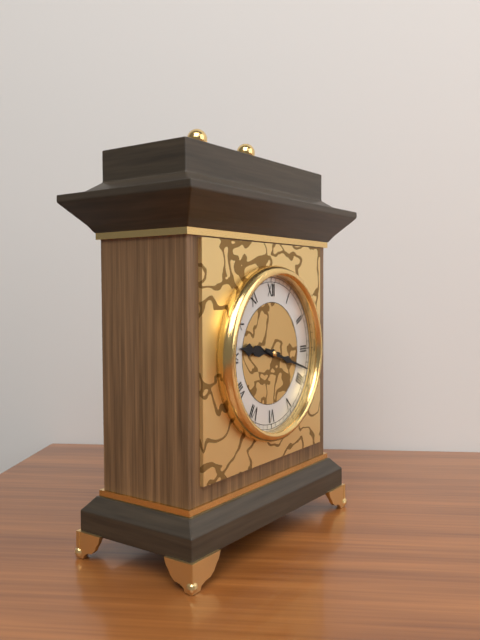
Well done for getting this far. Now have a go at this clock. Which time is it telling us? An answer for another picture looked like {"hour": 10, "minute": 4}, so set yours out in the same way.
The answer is {"hour": 9, "minute": 18}
